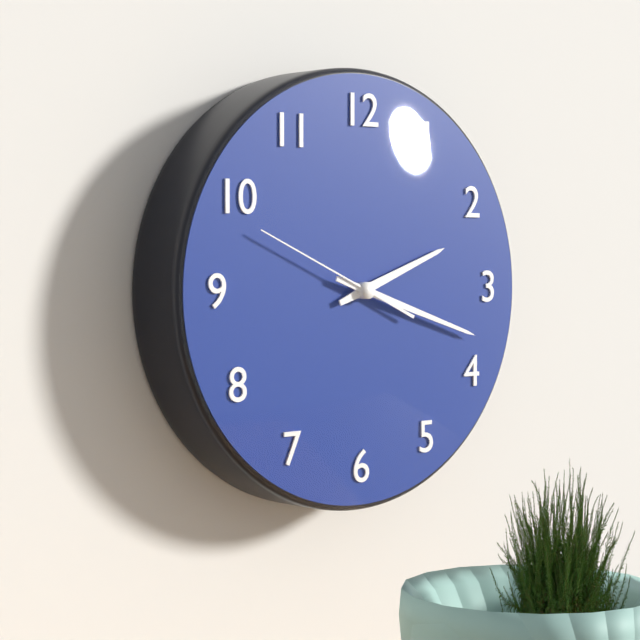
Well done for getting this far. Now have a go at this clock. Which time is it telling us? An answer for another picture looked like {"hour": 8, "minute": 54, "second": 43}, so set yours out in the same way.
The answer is {"hour": 2, "minute": 18, "second": 49}
